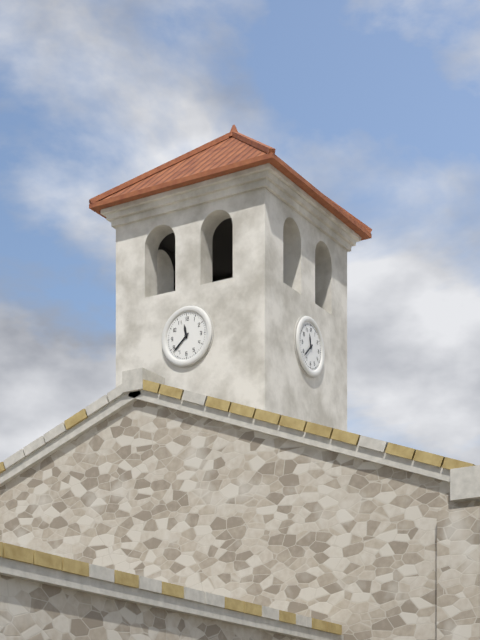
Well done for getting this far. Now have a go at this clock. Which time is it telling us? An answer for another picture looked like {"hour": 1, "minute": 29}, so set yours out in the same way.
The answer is {"hour": 11, "minute": 38}
